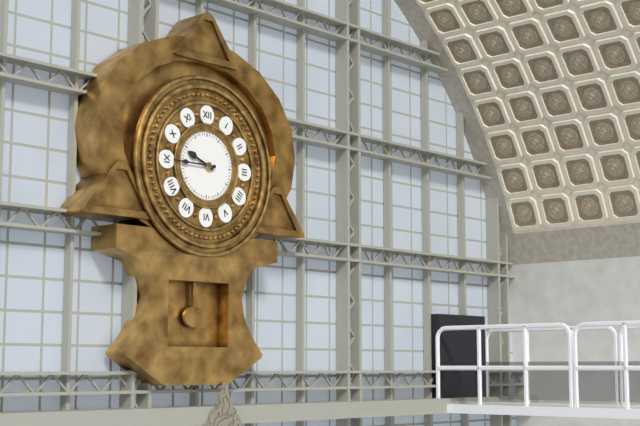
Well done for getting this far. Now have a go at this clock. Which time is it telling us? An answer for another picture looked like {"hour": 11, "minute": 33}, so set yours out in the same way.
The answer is {"hour": 9, "minute": 45}
